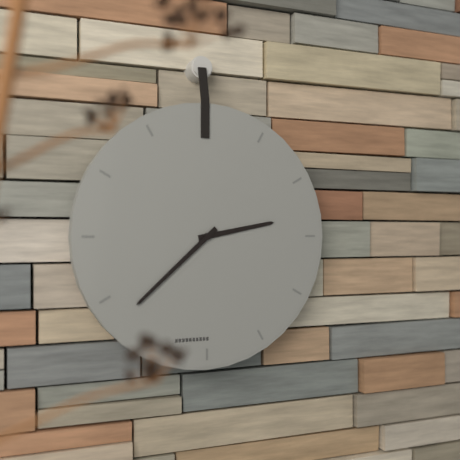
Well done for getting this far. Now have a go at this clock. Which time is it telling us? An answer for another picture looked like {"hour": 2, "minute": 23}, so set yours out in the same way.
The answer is {"hour": 2, "minute": 38}
